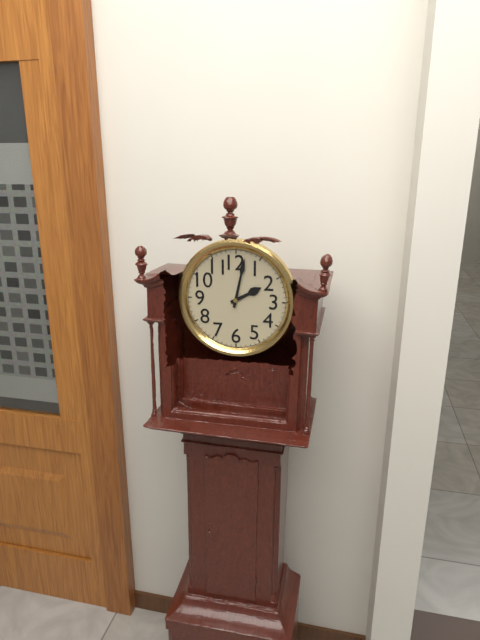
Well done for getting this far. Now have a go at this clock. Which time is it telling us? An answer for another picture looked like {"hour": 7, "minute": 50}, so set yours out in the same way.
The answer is {"hour": 2, "minute": 2}
